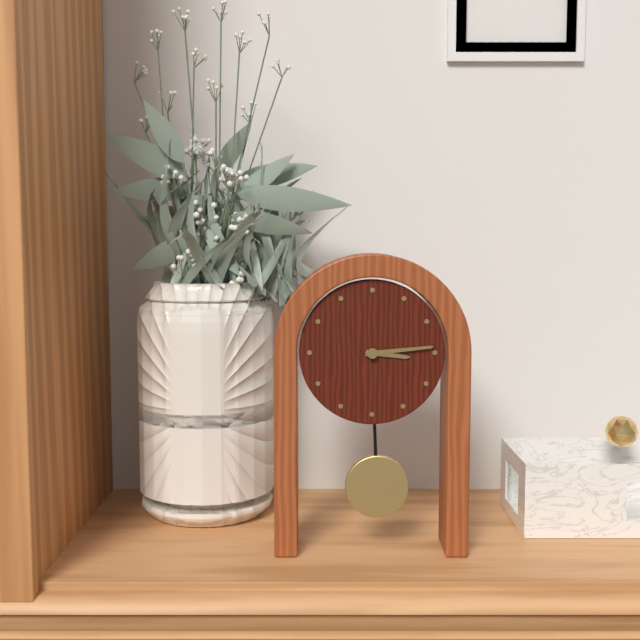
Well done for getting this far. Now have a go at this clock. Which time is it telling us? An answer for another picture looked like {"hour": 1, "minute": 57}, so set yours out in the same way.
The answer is {"hour": 3, "minute": 14}
